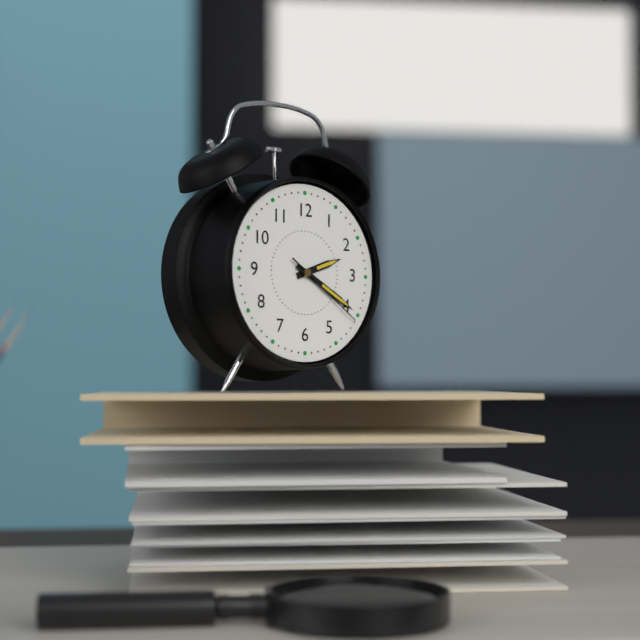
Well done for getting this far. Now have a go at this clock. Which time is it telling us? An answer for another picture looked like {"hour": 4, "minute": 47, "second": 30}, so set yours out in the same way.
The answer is {"hour": 2, "minute": 20, "second": 21}
